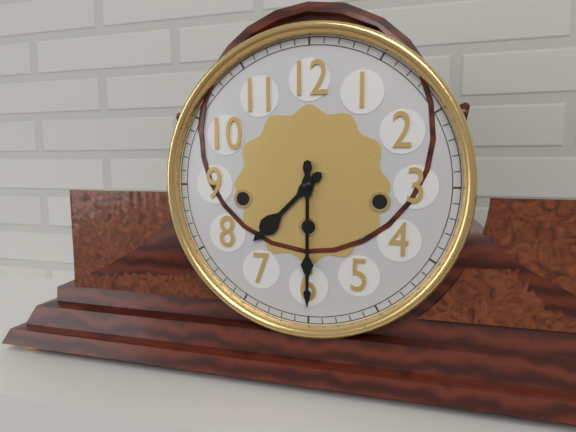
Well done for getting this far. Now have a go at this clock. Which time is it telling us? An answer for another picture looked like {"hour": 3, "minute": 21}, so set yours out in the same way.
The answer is {"hour": 7, "minute": 30}
